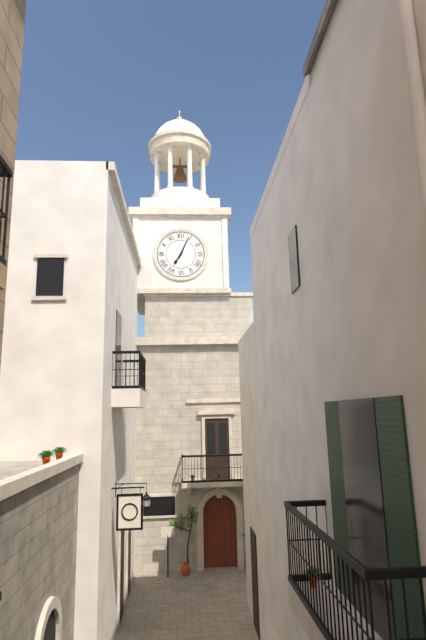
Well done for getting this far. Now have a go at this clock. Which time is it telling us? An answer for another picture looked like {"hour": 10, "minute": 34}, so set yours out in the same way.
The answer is {"hour": 7, "minute": 4}
